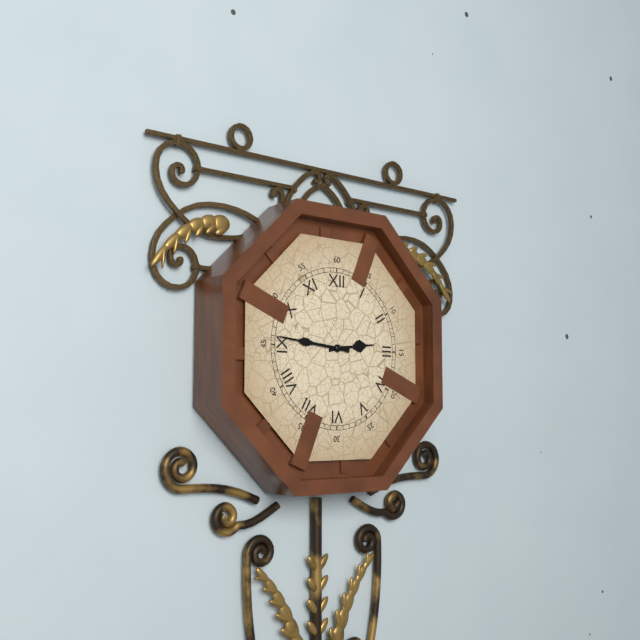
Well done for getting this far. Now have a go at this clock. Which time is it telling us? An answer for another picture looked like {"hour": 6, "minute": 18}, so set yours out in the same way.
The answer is {"hour": 2, "minute": 46}
